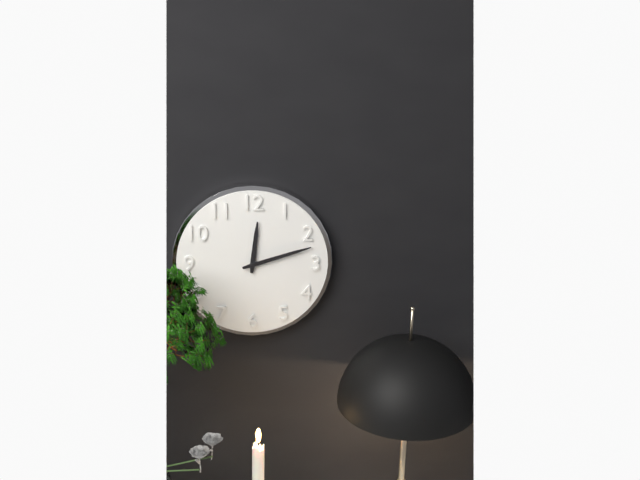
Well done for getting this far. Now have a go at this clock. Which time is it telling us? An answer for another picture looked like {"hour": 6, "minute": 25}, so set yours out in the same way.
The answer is {"hour": 12, "minute": 12}
